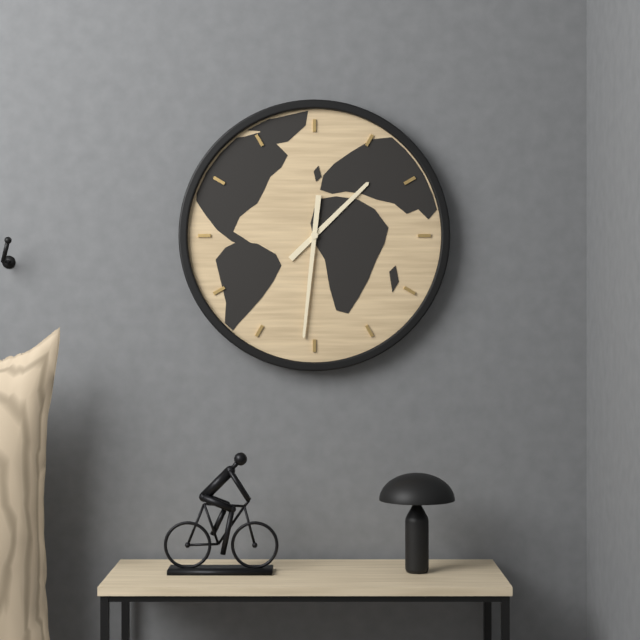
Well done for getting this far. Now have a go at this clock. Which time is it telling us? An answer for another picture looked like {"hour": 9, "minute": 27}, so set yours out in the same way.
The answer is {"hour": 1, "minute": 31}
